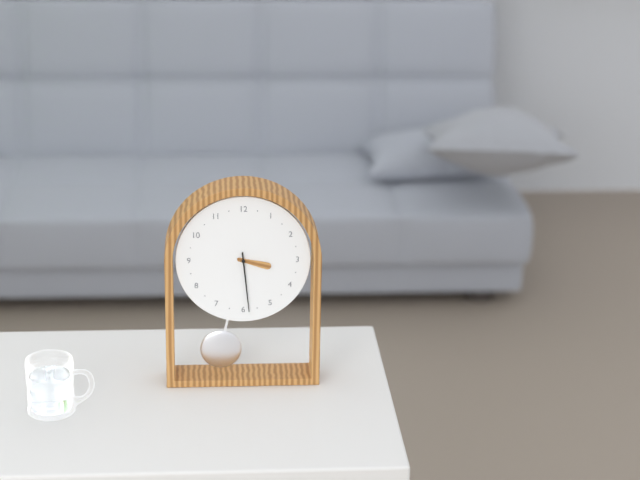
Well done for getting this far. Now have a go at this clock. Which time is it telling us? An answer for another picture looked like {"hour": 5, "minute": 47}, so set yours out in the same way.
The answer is {"hour": 3, "minute": 29}
